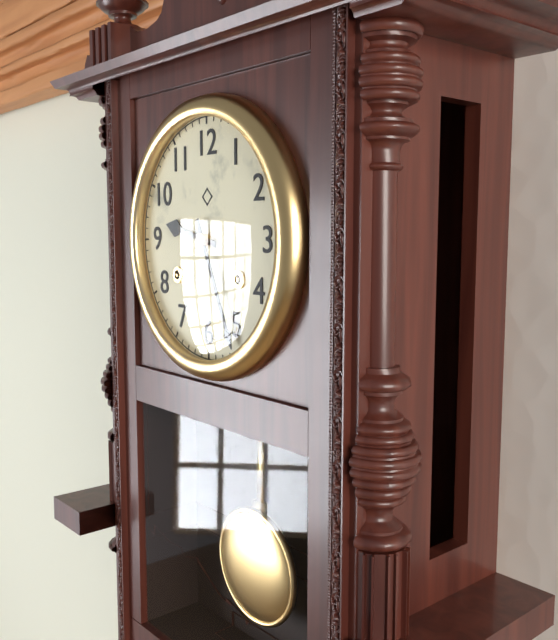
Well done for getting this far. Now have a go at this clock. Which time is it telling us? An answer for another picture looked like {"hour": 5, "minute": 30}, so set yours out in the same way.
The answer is {"hour": 9, "minute": 26}
